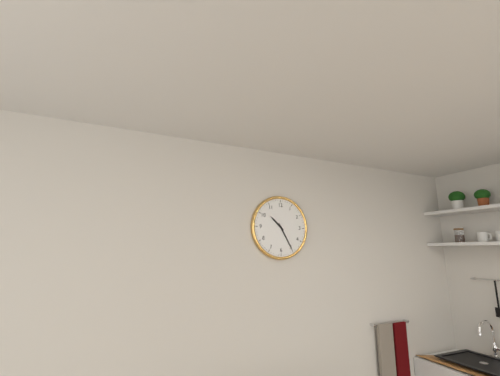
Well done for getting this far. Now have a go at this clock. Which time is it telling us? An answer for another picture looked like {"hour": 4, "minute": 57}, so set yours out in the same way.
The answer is {"hour": 10, "minute": 25}
